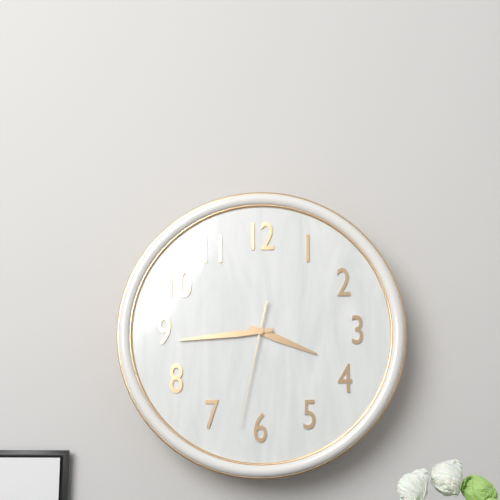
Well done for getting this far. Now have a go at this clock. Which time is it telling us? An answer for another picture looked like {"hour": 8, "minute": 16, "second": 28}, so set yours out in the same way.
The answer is {"hour": 3, "minute": 44, "second": 32}
